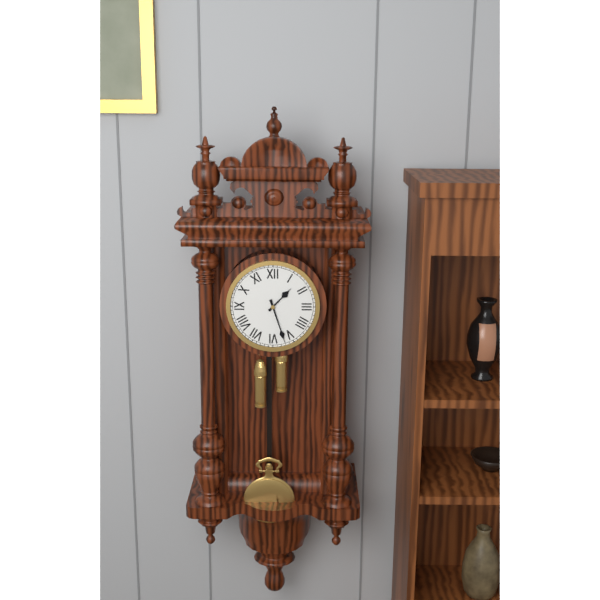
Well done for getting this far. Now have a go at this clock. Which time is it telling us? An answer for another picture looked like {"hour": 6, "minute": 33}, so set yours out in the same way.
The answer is {"hour": 1, "minute": 27}
